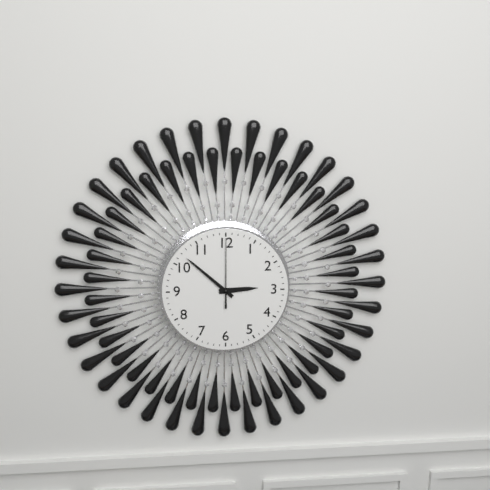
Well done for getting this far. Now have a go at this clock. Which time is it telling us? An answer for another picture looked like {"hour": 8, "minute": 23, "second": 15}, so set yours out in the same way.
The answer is {"hour": 2, "minute": 52, "second": 0}
